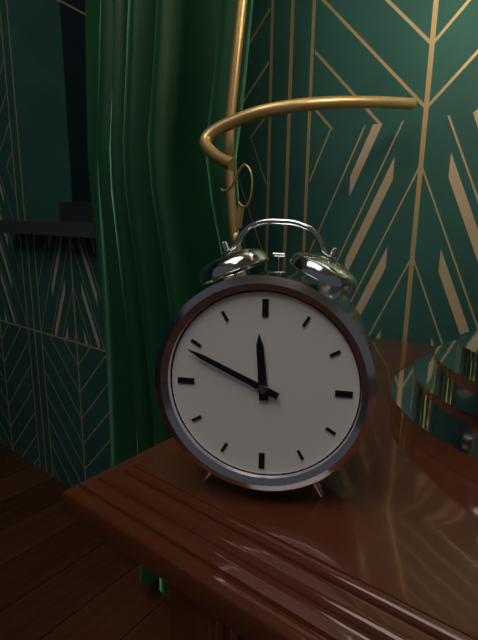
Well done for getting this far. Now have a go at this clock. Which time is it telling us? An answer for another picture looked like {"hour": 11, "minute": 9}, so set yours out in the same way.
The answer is {"hour": 11, "minute": 49}
